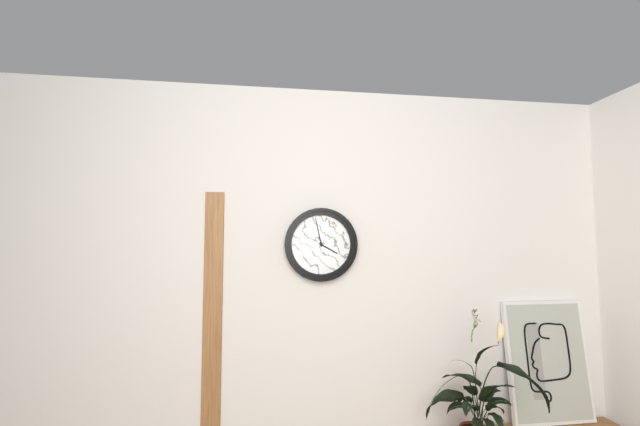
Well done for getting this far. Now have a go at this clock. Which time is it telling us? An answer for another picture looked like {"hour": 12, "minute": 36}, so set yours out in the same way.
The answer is {"hour": 3, "minute": 58}
